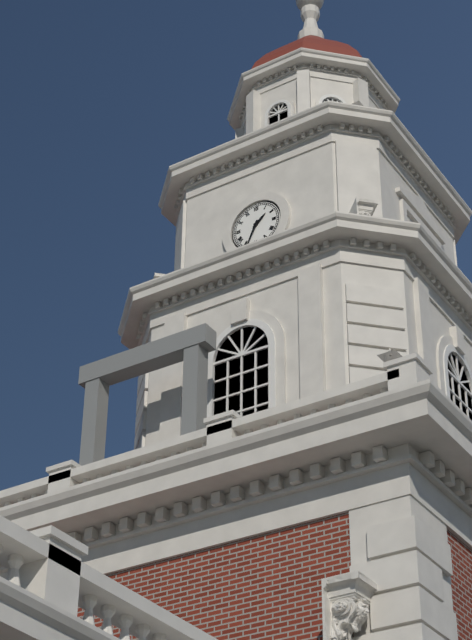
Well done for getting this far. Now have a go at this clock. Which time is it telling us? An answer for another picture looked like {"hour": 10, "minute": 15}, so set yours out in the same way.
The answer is {"hour": 1, "minute": 34}
